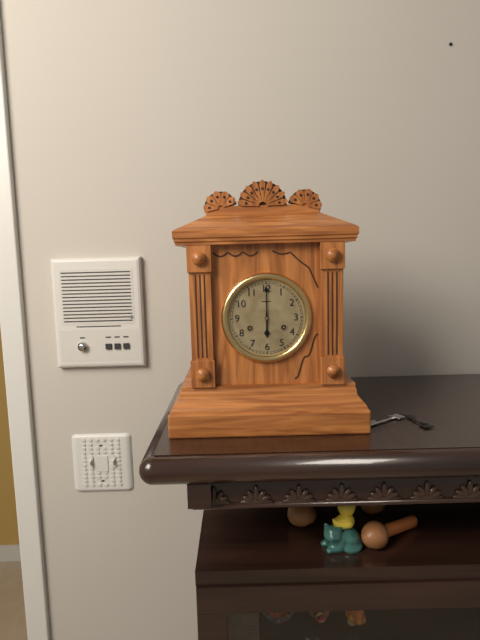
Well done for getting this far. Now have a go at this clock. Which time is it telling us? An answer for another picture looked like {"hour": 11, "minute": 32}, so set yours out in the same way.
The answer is {"hour": 6, "minute": 0}
